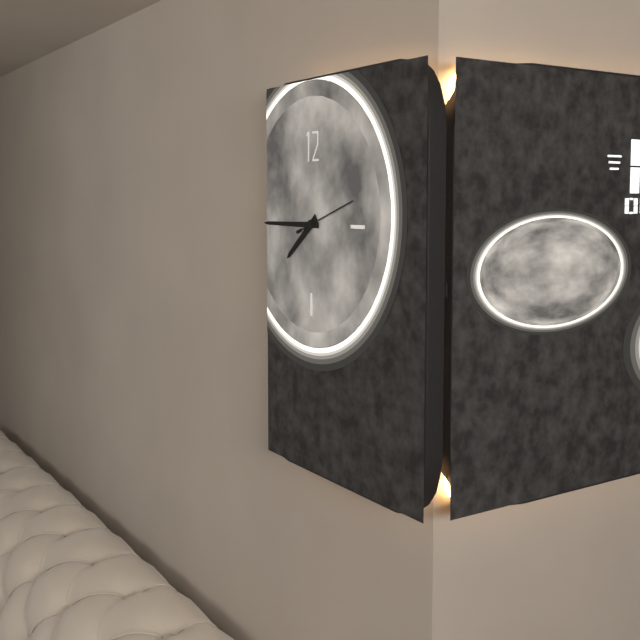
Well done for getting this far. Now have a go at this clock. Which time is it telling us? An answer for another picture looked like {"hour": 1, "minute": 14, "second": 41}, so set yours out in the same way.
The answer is {"hour": 7, "minute": 45, "second": 12}
